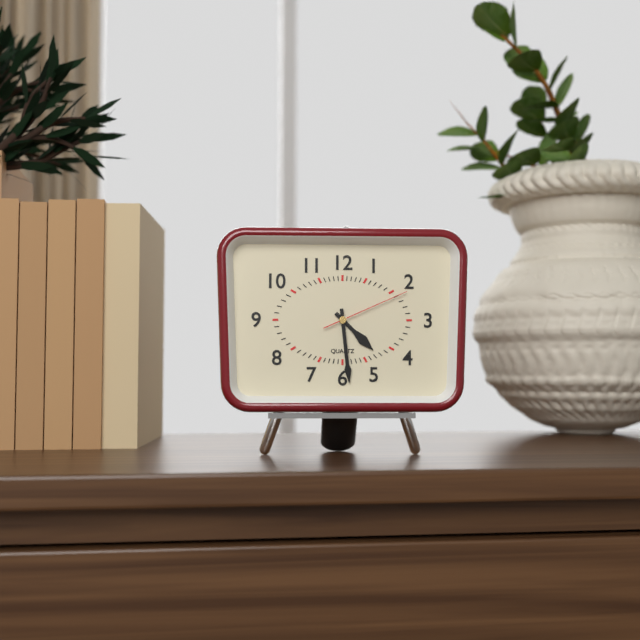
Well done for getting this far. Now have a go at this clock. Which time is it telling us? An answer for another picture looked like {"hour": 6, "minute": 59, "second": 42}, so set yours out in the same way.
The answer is {"hour": 4, "minute": 29, "second": 11}
